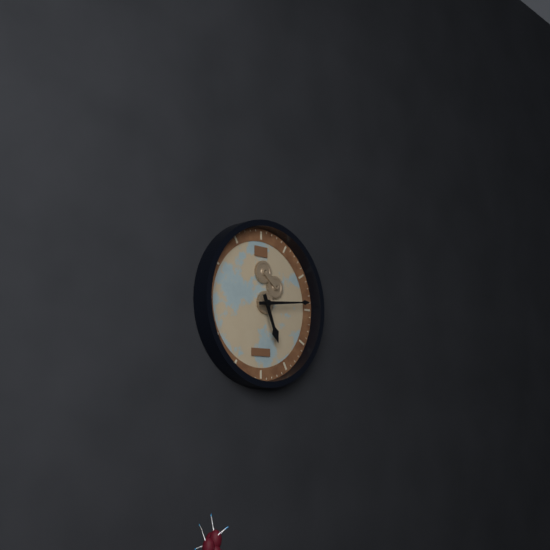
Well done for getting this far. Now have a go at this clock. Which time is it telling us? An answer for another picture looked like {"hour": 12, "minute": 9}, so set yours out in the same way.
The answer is {"hour": 5, "minute": 14}
